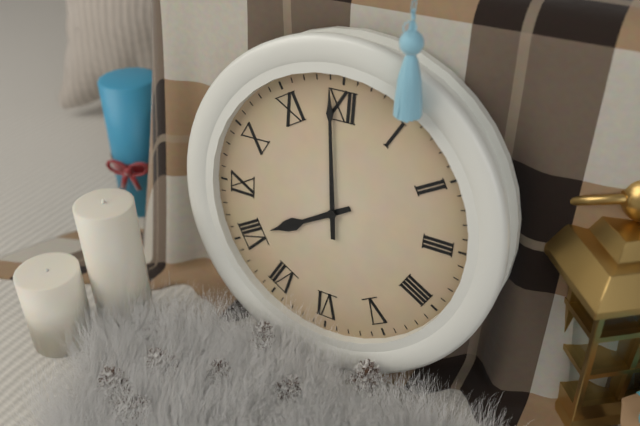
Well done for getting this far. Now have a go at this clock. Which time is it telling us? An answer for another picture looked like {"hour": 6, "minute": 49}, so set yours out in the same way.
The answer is {"hour": 7, "minute": 59}
